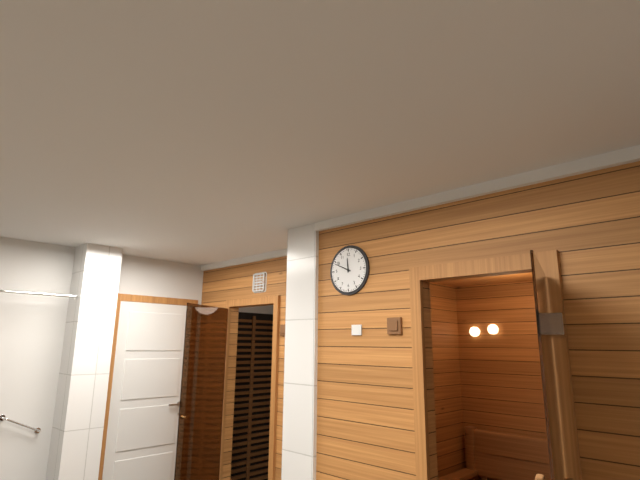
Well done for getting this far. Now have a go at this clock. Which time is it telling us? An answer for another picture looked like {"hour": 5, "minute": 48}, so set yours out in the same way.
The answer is {"hour": 11, "minute": 49}
